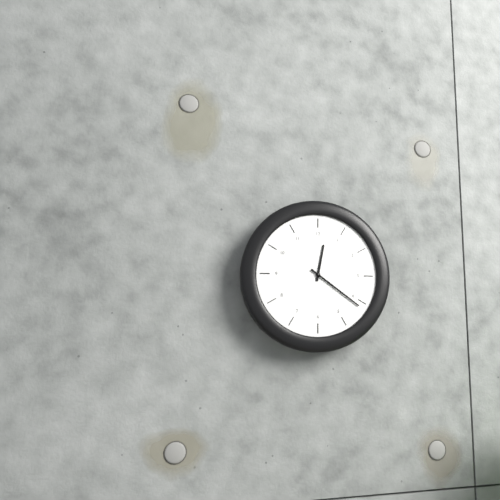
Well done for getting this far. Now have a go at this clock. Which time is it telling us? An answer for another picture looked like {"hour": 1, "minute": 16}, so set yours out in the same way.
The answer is {"hour": 12, "minute": 21}
